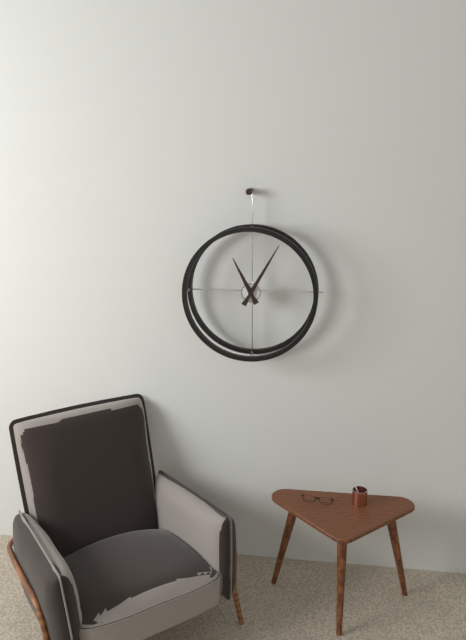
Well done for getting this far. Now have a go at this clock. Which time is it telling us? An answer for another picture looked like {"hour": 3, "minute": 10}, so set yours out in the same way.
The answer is {"hour": 11, "minute": 5}
